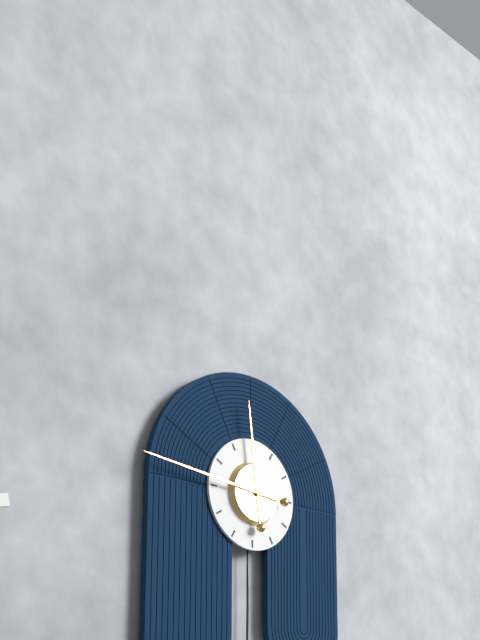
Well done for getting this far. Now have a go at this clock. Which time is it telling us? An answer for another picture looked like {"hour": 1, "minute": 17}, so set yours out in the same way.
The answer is {"hour": 11, "minute": 46}
